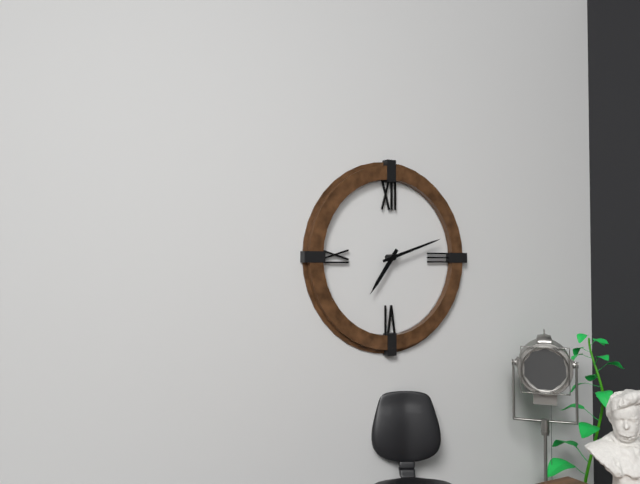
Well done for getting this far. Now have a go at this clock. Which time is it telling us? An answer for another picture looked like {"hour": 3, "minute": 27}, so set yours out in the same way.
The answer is {"hour": 7, "minute": 12}
